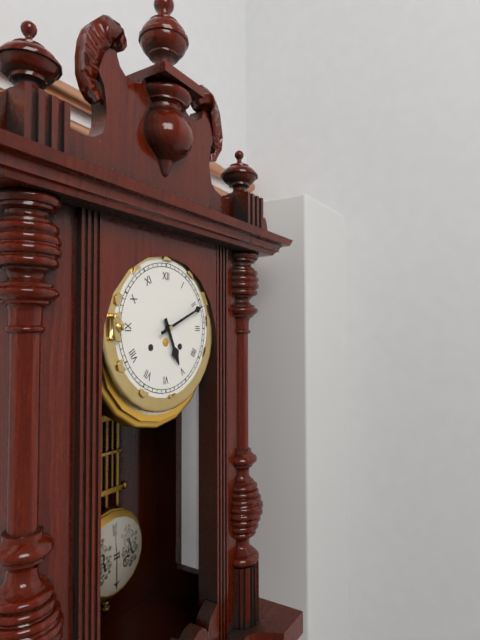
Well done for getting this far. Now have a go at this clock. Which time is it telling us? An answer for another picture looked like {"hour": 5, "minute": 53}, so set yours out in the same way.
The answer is {"hour": 5, "minute": 11}
